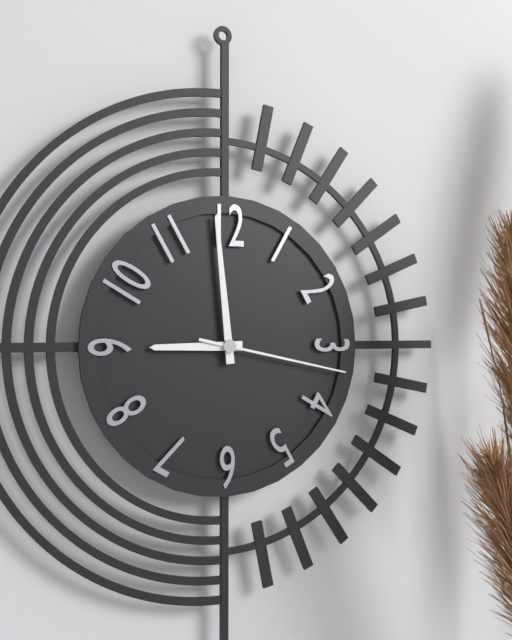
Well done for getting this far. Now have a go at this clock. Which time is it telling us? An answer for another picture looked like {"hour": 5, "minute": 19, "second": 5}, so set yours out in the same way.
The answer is {"hour": 8, "minute": 59, "second": 17}
